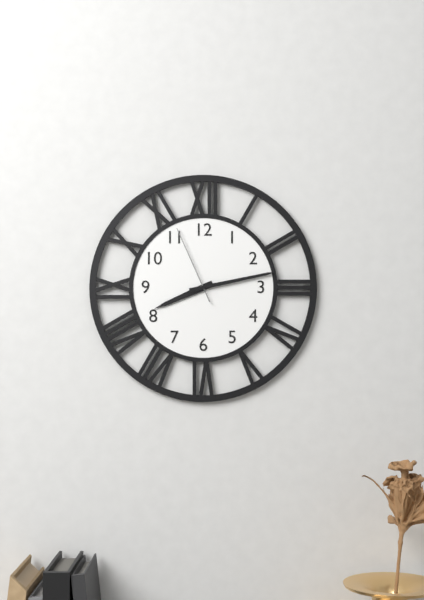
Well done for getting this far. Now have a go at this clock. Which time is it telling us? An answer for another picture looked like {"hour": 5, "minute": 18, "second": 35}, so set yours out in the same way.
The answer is {"hour": 8, "minute": 13, "second": 56}
